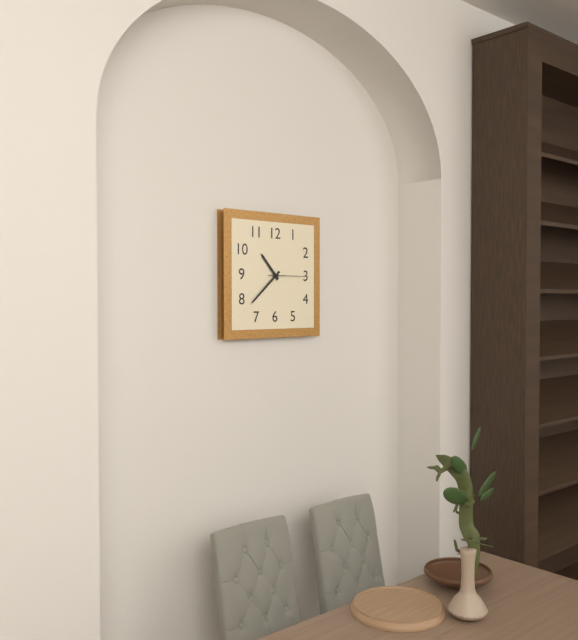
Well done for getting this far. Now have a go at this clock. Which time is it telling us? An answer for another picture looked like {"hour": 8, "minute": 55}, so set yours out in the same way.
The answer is {"hour": 10, "minute": 38}
